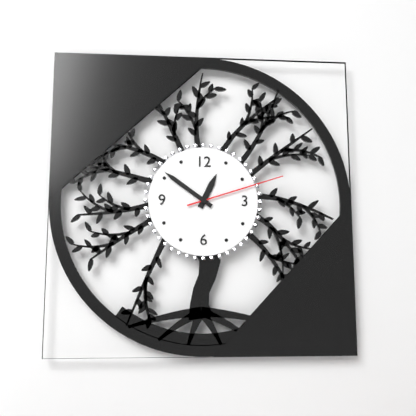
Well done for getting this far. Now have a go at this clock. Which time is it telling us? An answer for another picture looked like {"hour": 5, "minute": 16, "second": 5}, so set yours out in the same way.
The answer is {"hour": 12, "minute": 51, "second": 12}
